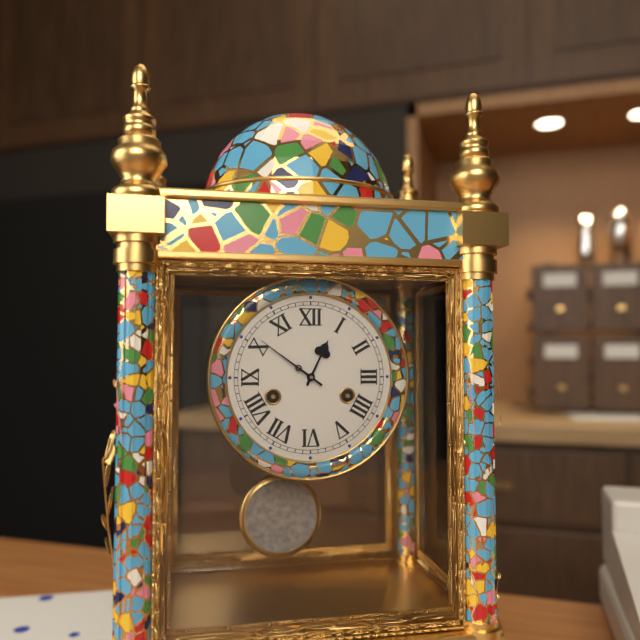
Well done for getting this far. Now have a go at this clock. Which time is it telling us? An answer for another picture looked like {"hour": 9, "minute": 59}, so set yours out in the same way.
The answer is {"hour": 12, "minute": 51}
